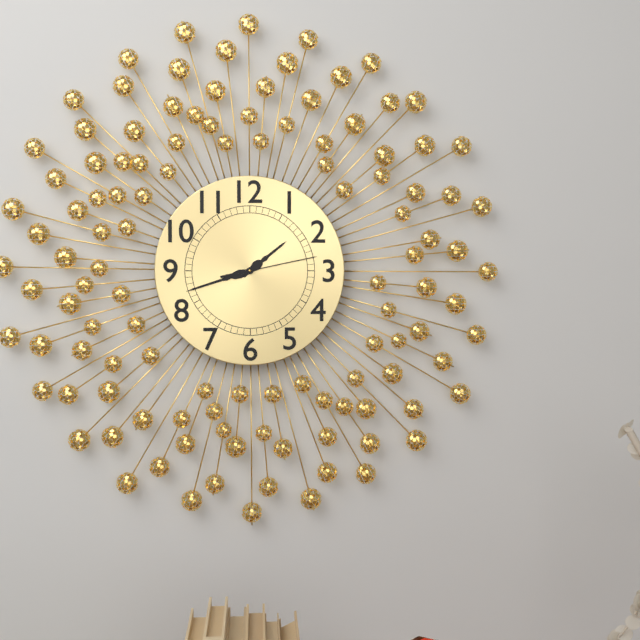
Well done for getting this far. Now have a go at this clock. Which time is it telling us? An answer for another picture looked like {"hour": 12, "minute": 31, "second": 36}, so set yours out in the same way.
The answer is {"hour": 1, "minute": 42, "second": 13}
